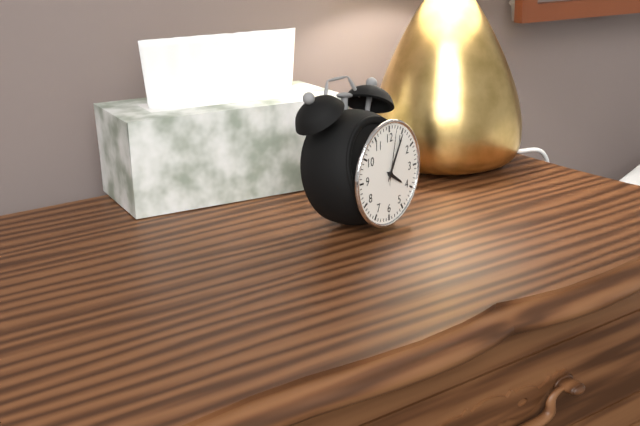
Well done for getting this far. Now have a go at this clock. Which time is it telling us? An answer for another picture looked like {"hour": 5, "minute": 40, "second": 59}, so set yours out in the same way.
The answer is {"hour": 4, "minute": 5, "second": 2}
